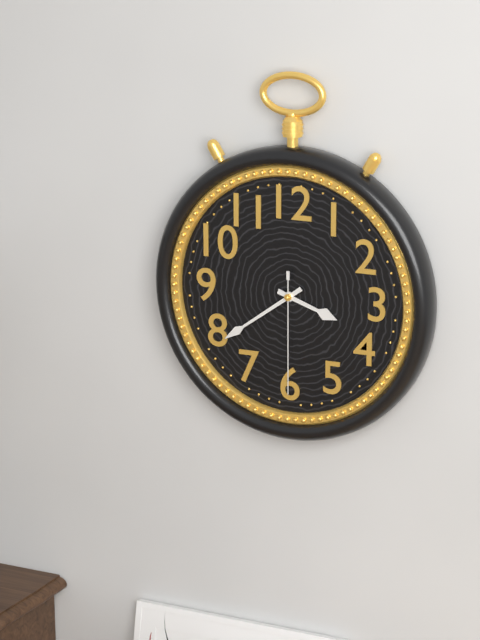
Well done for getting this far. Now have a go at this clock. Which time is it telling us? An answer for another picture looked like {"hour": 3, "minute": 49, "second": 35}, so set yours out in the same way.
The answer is {"hour": 3, "minute": 39, "second": 30}
